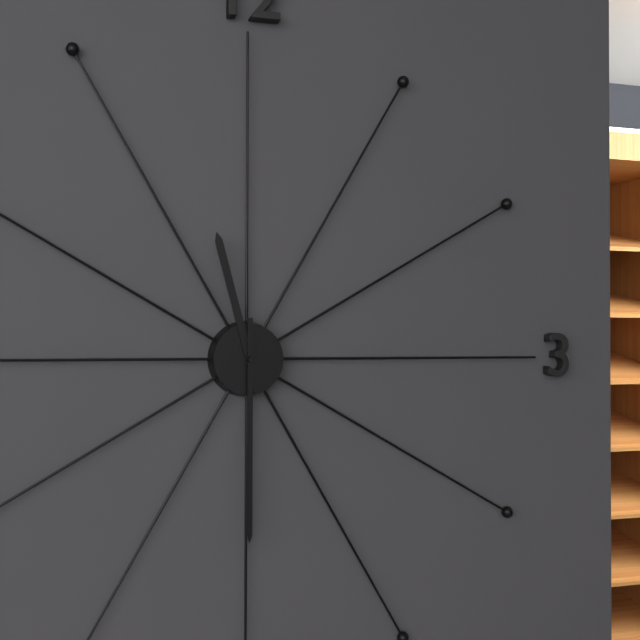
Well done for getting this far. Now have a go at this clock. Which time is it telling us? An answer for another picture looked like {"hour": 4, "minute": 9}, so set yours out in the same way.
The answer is {"hour": 11, "minute": 30}
